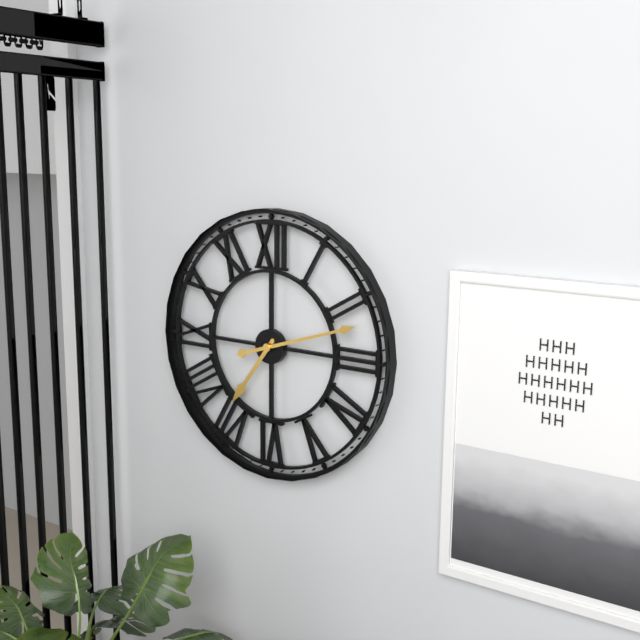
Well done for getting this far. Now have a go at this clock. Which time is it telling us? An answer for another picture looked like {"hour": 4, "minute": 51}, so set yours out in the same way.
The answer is {"hour": 7, "minute": 12}
